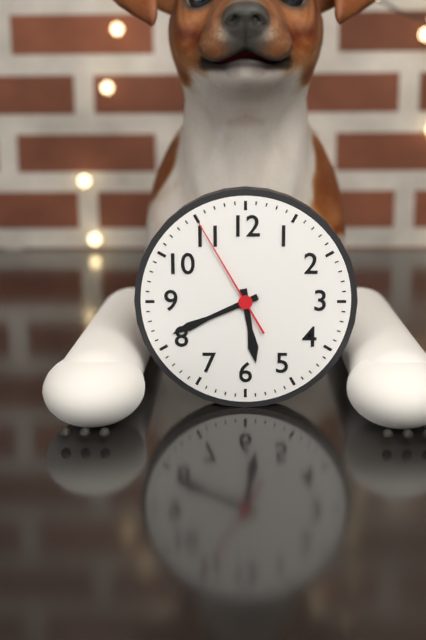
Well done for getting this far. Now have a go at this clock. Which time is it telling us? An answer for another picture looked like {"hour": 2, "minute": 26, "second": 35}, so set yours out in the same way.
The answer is {"hour": 5, "minute": 41, "second": 55}
